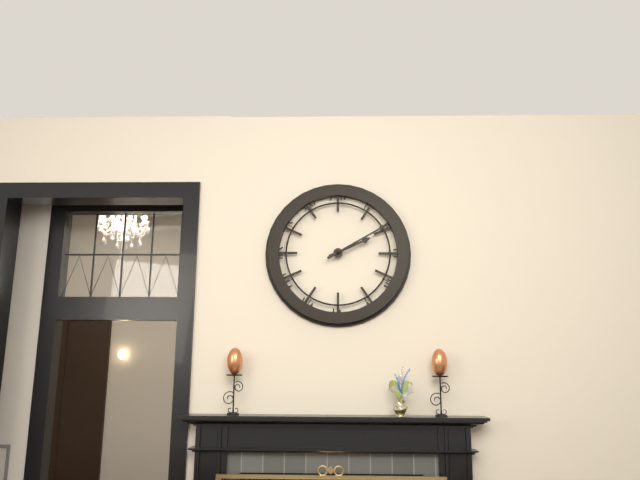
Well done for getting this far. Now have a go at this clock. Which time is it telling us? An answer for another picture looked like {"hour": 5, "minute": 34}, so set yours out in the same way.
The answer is {"hour": 2, "minute": 10}
